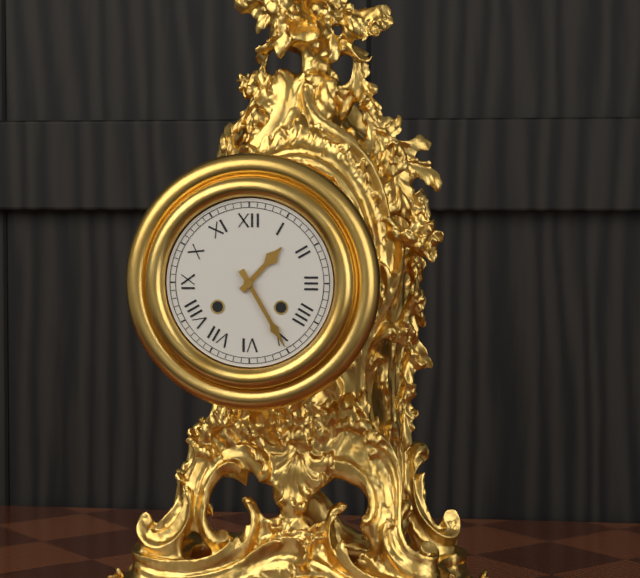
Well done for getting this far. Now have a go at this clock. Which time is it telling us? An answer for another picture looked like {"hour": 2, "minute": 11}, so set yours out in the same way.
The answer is {"hour": 1, "minute": 25}
